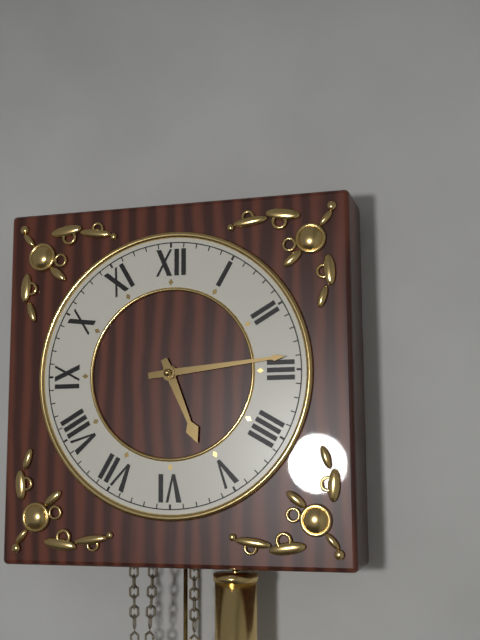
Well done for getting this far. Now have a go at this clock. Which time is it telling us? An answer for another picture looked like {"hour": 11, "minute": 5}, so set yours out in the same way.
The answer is {"hour": 5, "minute": 14}
